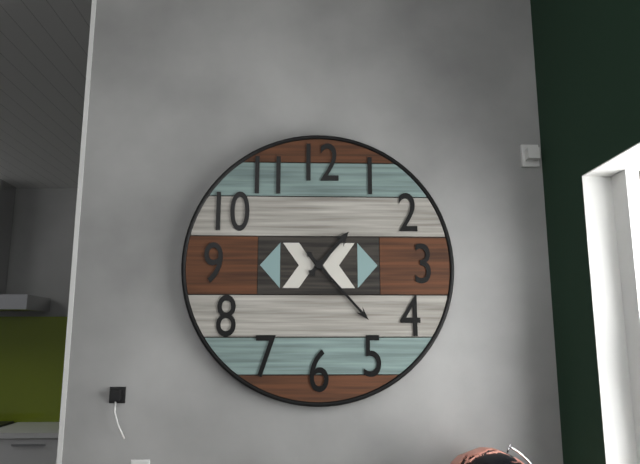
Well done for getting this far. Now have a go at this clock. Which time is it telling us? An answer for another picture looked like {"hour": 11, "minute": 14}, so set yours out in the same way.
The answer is {"hour": 1, "minute": 23}
